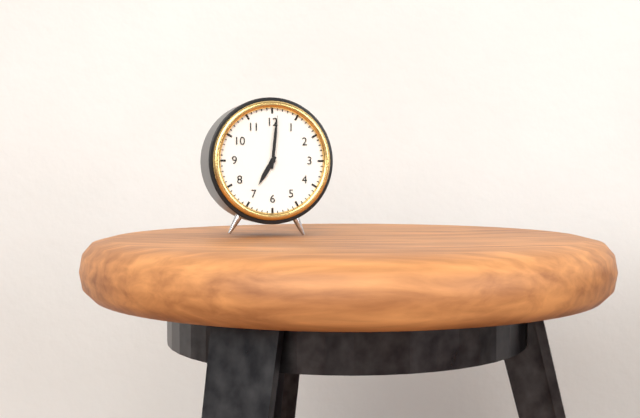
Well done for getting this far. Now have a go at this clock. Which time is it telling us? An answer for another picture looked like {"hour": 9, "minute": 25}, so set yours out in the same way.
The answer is {"hour": 7, "minute": 1}
